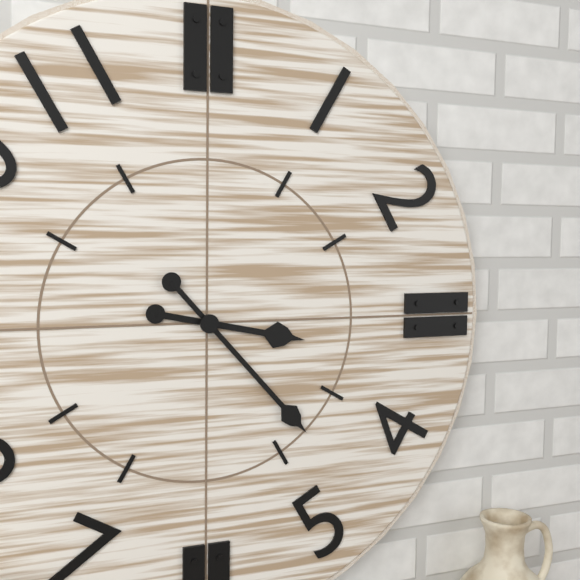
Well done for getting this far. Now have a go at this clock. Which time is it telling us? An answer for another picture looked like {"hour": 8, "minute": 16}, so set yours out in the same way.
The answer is {"hour": 3, "minute": 23}
